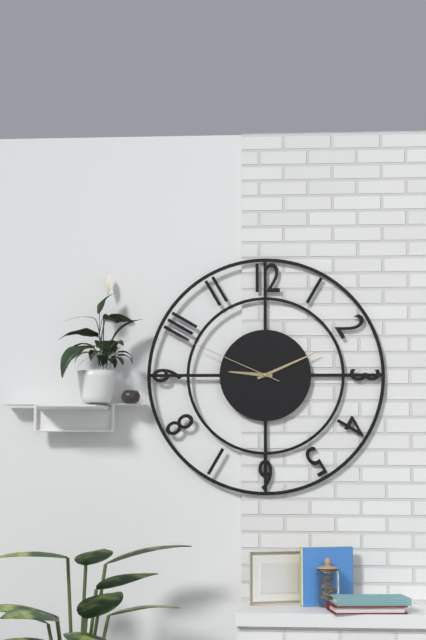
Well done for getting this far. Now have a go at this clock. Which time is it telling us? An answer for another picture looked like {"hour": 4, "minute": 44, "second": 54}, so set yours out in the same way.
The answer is {"hour": 9, "minute": 11, "second": 49}
